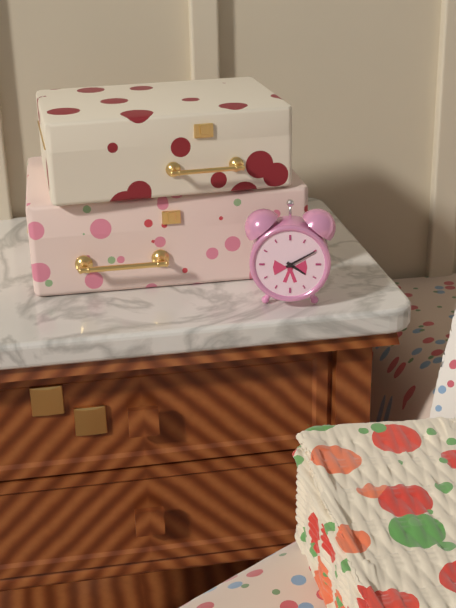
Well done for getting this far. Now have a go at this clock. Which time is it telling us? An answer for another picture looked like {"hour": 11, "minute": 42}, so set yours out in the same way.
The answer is {"hour": 4, "minute": 10}
